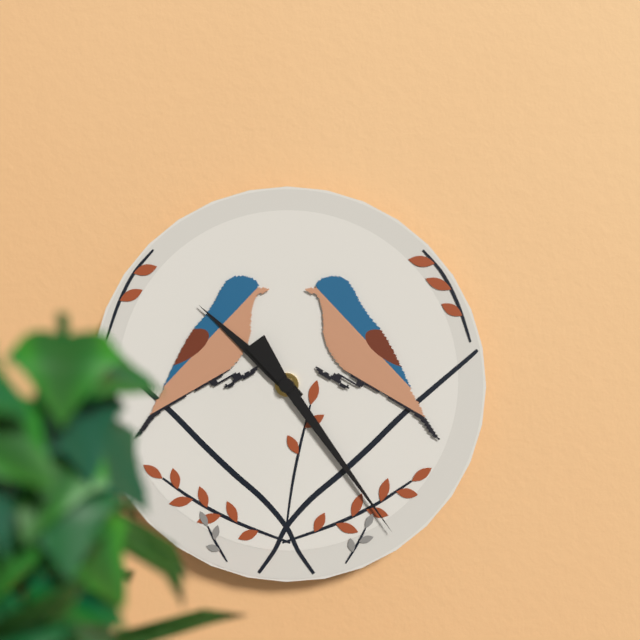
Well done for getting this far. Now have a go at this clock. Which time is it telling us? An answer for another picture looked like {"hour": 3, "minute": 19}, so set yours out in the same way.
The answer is {"hour": 10, "minute": 24}
